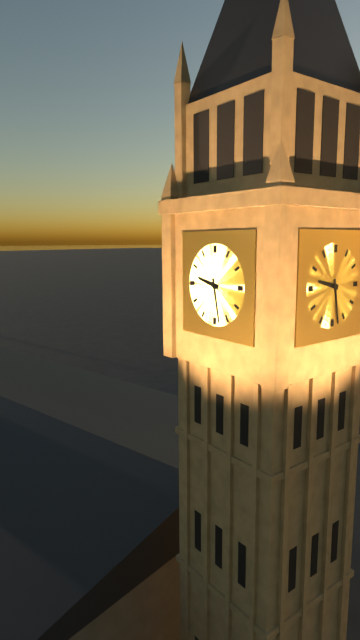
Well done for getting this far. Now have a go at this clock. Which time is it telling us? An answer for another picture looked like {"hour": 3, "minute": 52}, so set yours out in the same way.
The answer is {"hour": 9, "minute": 28}
